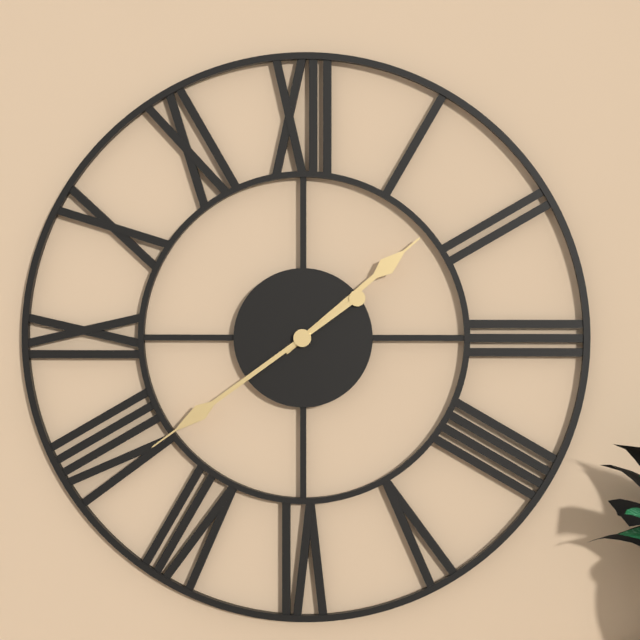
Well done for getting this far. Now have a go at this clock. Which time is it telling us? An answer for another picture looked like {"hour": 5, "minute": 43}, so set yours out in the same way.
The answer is {"hour": 1, "minute": 39}
